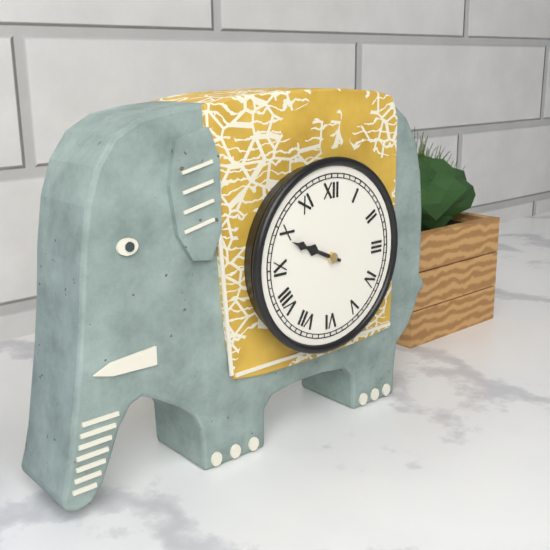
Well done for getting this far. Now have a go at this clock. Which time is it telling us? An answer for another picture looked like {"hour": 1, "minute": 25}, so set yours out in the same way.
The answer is {"hour": 9, "minute": 49}
